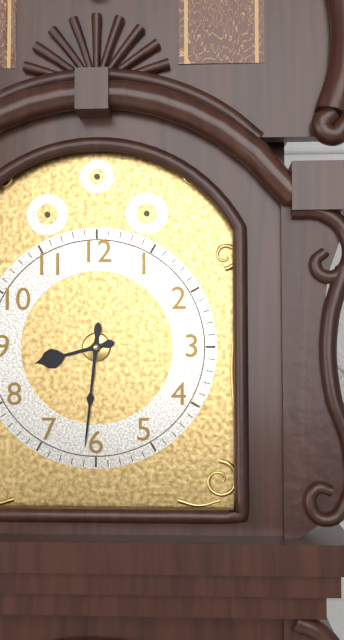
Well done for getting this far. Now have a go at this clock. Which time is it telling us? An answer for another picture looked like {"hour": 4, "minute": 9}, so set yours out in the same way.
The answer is {"hour": 8, "minute": 31}
